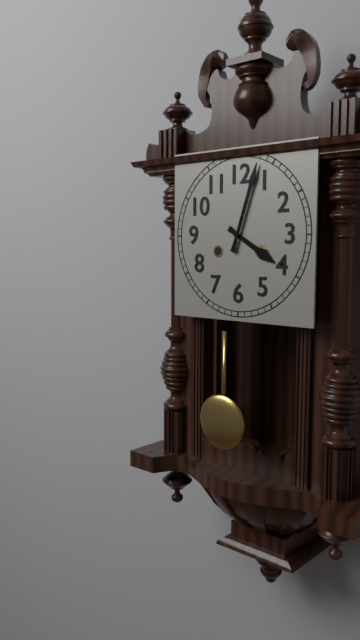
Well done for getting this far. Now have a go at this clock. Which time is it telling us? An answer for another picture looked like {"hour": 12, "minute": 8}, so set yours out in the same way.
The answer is {"hour": 4, "minute": 3}
